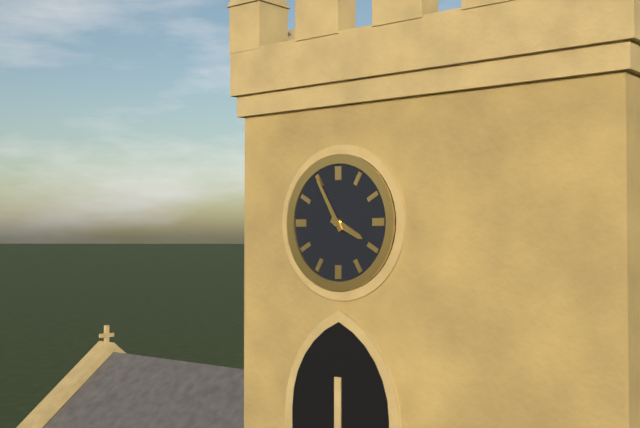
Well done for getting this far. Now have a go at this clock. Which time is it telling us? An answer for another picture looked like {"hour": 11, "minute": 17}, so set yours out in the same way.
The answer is {"hour": 3, "minute": 55}
